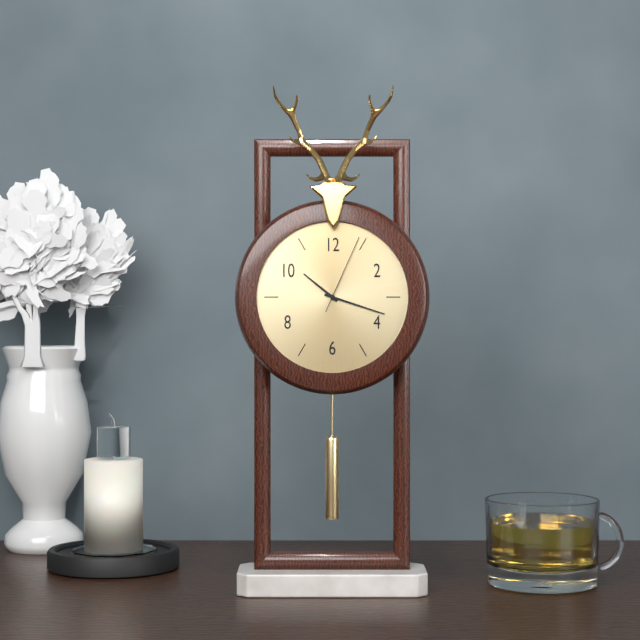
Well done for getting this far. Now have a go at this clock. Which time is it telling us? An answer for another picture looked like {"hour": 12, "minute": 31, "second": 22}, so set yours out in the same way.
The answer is {"hour": 10, "minute": 18, "second": 4}
